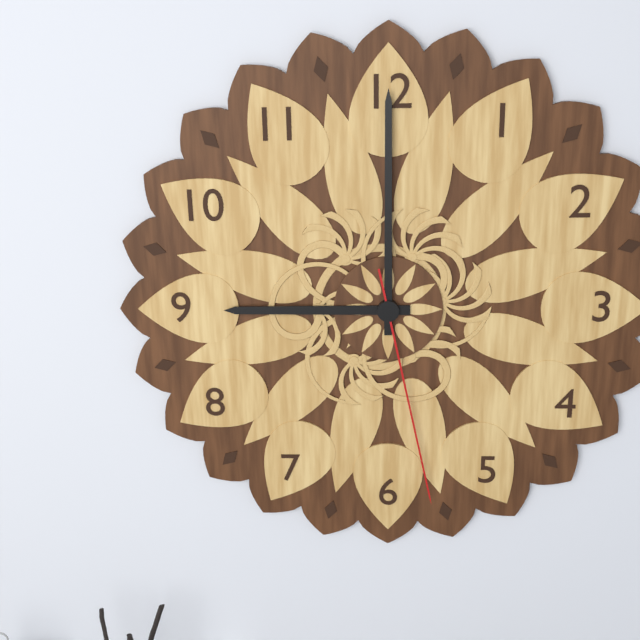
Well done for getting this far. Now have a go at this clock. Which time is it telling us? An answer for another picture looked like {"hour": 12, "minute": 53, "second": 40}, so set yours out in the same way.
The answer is {"hour": 9, "minute": 0, "second": 28}
